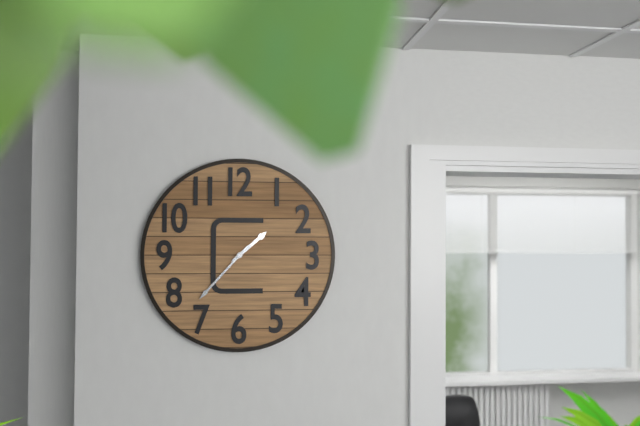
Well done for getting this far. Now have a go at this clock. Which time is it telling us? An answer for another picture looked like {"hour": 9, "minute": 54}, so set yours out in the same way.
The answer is {"hour": 1, "minute": 37}
